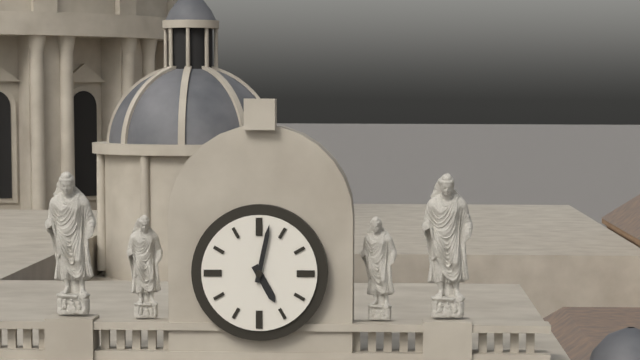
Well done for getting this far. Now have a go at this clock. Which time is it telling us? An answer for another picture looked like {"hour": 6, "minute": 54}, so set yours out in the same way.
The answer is {"hour": 5, "minute": 2}
